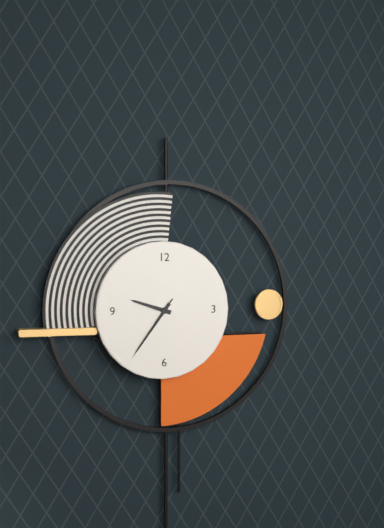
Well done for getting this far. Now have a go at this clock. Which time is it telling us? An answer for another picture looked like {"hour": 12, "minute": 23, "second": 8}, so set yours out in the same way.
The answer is {"hour": 9, "minute": 36, "second": 36}
